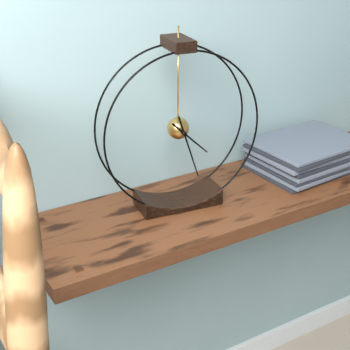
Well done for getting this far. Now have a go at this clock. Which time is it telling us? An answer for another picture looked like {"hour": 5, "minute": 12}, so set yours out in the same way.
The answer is {"hour": 4, "minute": 27}
